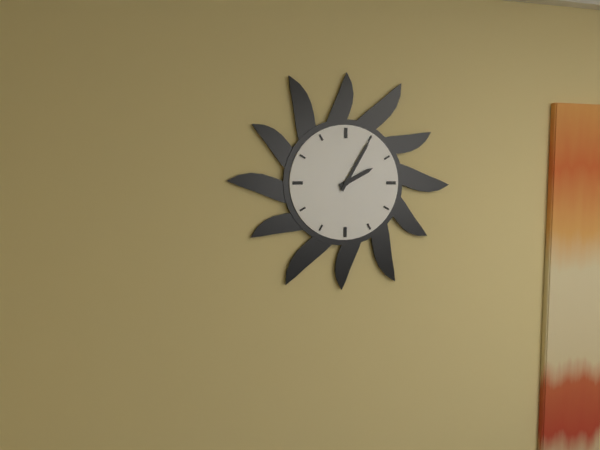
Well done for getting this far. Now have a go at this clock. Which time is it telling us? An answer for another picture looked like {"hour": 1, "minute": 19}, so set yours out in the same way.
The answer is {"hour": 2, "minute": 5}
